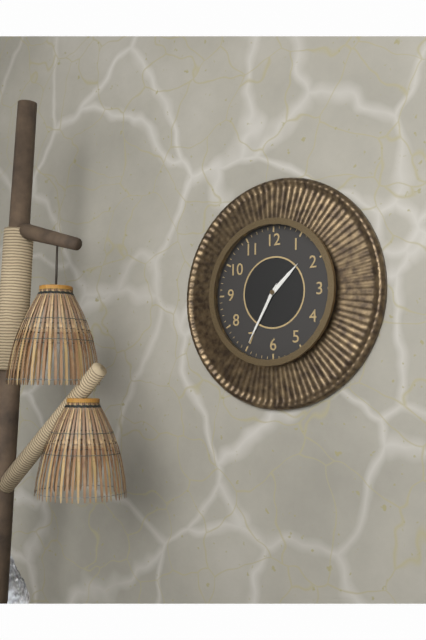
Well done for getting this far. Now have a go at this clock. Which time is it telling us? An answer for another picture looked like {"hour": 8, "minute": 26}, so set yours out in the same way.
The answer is {"hour": 1, "minute": 35}
